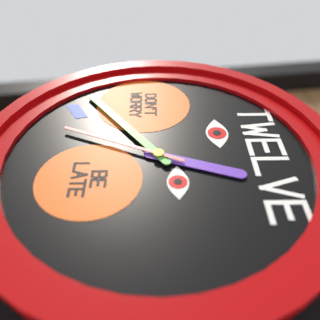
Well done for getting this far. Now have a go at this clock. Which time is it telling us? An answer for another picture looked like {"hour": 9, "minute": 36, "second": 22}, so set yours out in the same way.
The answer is {"hour": 12, "minute": 39, "second": 34}
